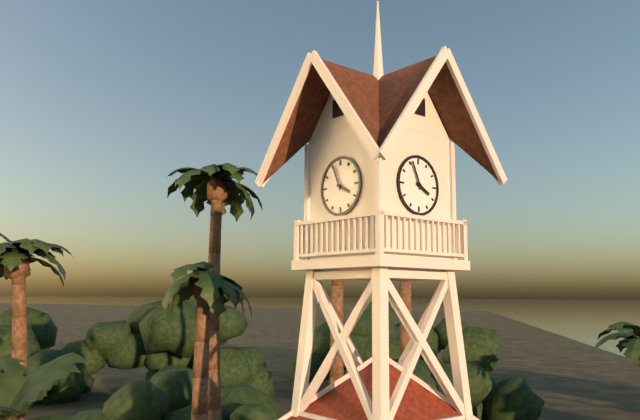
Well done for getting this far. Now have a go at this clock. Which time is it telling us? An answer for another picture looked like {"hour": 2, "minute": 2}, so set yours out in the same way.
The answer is {"hour": 3, "minute": 56}
